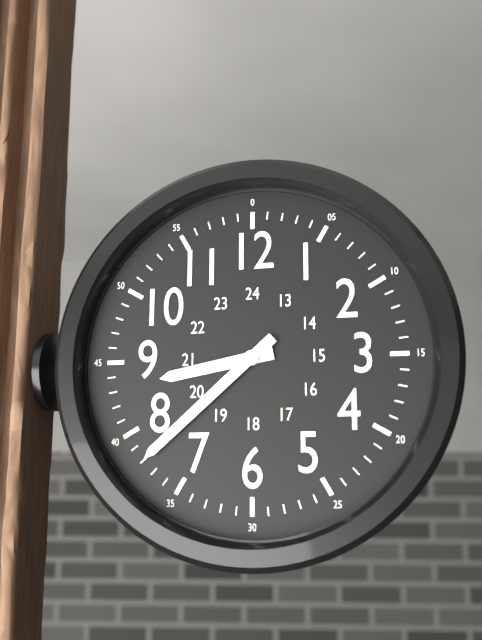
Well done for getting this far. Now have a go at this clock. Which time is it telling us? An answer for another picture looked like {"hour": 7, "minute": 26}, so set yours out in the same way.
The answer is {"hour": 8, "minute": 38}
